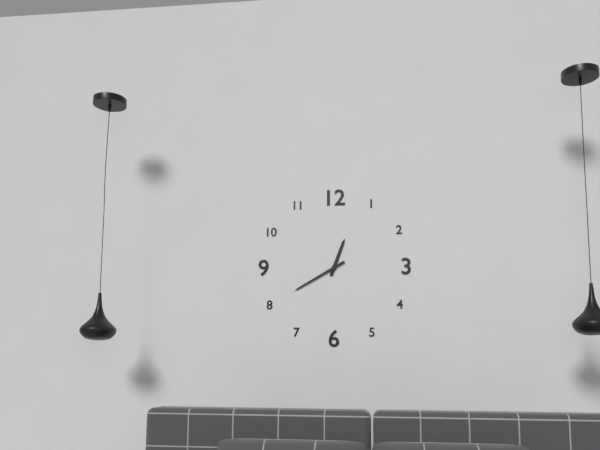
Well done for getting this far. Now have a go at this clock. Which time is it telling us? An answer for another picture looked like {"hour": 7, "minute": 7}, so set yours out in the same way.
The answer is {"hour": 12, "minute": 40}
